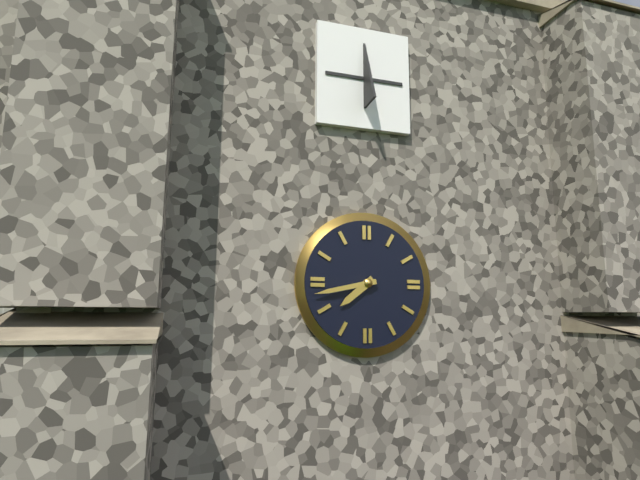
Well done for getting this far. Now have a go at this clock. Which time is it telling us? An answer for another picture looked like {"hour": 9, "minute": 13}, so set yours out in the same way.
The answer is {"hour": 7, "minute": 43}
